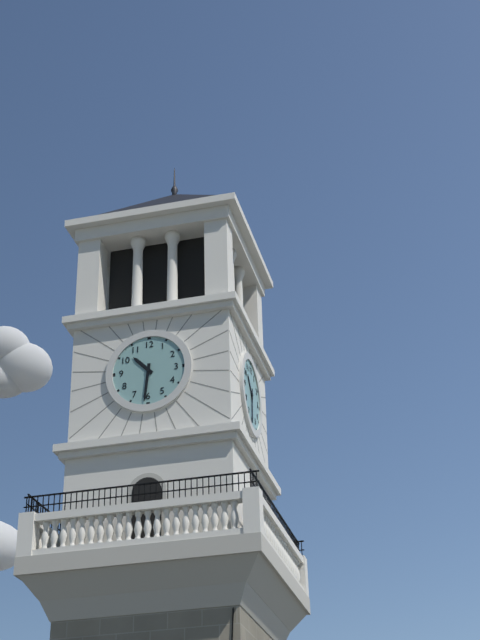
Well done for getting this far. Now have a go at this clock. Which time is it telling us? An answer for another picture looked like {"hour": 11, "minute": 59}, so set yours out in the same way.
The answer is {"hour": 10, "minute": 31}
